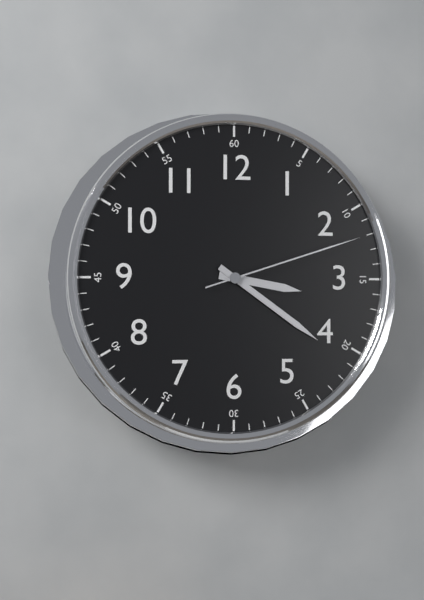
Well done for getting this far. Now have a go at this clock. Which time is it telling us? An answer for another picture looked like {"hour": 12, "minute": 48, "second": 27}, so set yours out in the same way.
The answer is {"hour": 3, "minute": 21, "second": 12}
